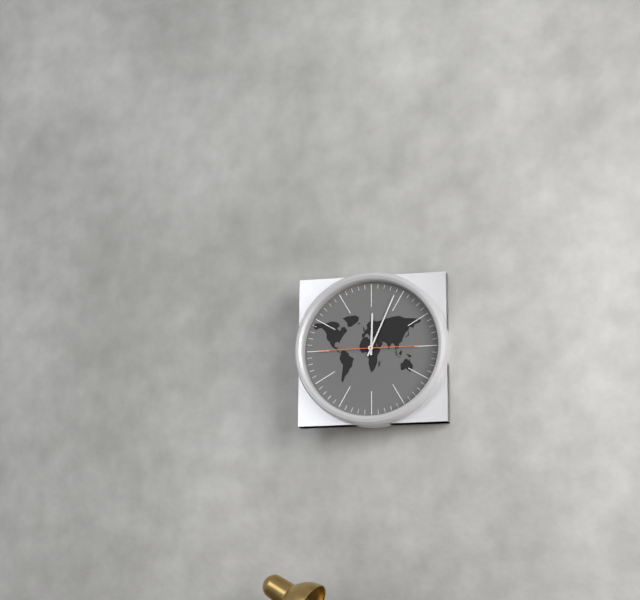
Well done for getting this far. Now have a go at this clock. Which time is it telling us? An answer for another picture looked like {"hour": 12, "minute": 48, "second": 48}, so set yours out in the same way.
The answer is {"hour": 12, "minute": 4, "second": 45}
